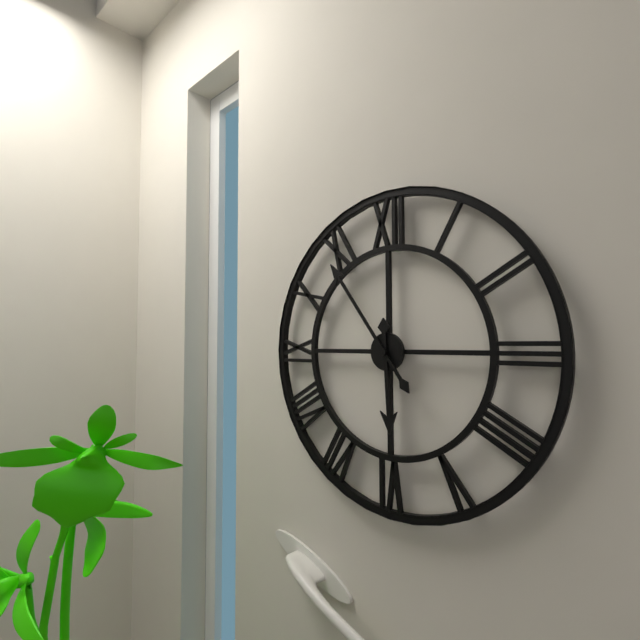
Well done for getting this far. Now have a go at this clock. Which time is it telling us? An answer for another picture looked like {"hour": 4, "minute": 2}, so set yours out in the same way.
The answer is {"hour": 5, "minute": 54}
